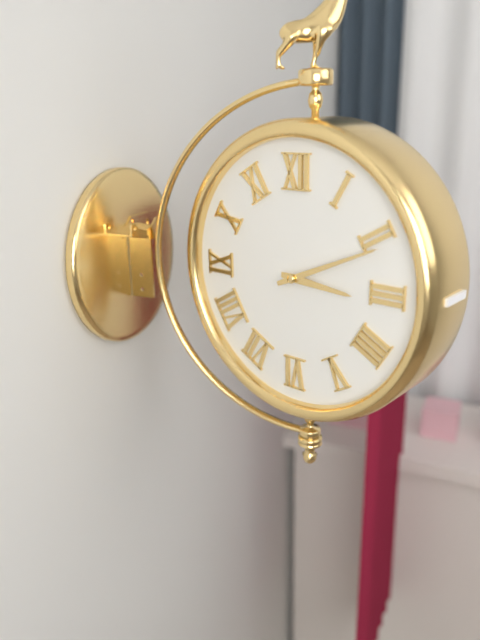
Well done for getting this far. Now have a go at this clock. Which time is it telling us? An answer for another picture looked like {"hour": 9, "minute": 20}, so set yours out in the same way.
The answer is {"hour": 3, "minute": 11}
